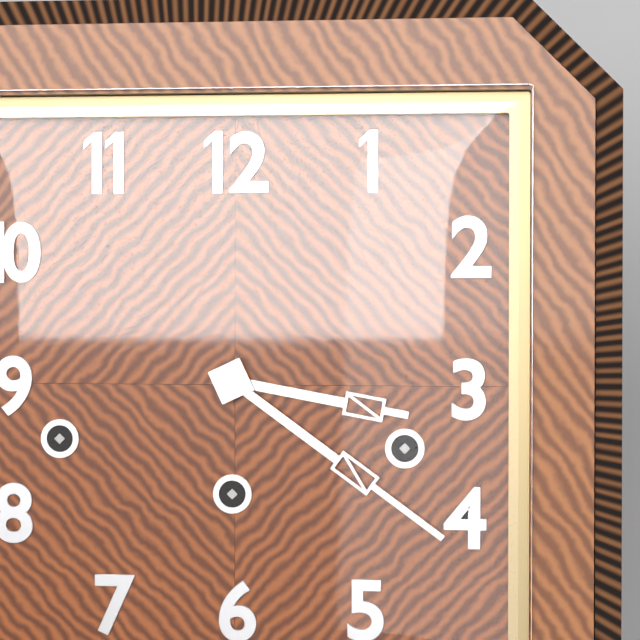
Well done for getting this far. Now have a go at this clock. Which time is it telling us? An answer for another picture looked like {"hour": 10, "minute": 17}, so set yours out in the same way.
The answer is {"hour": 3, "minute": 21}
